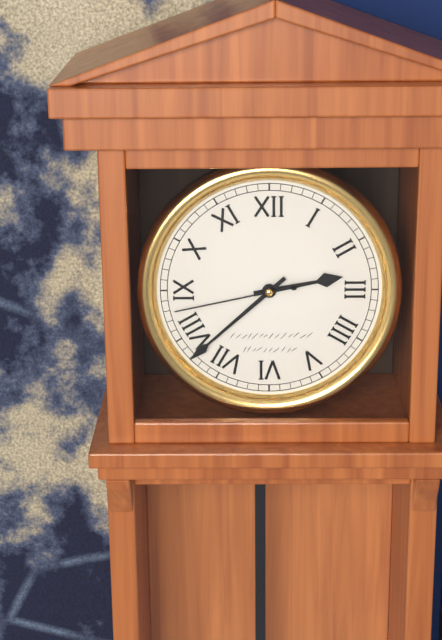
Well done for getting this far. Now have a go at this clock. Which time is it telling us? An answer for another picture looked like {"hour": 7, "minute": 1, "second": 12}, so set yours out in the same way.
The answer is {"hour": 2, "minute": 38, "second": 43}
